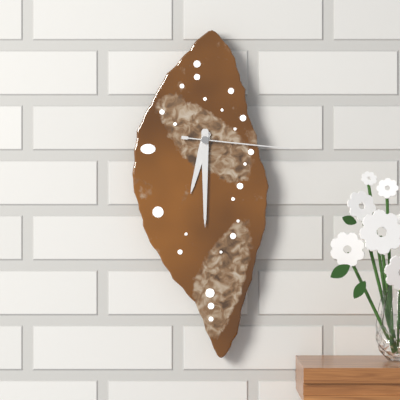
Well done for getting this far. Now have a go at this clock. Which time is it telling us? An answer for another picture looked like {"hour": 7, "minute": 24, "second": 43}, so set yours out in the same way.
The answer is {"hour": 6, "minute": 30, "second": 16}
